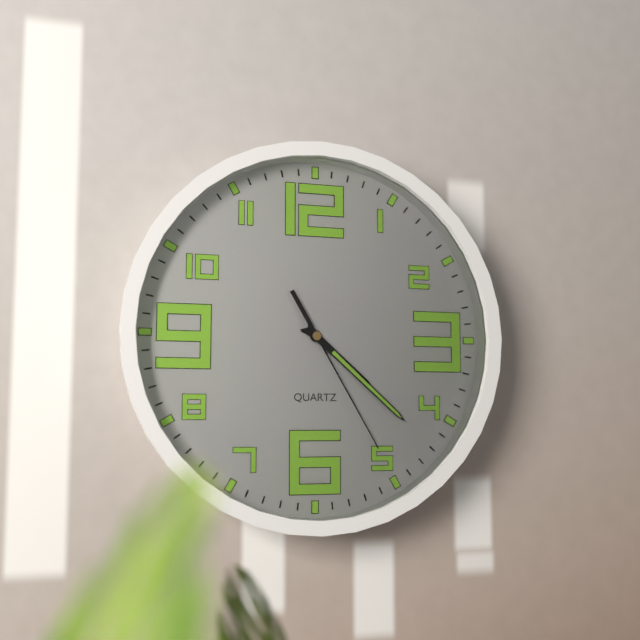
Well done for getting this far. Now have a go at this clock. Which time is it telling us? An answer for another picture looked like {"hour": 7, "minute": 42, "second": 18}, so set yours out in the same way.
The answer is {"hour": 4, "minute": 22, "second": 25}
